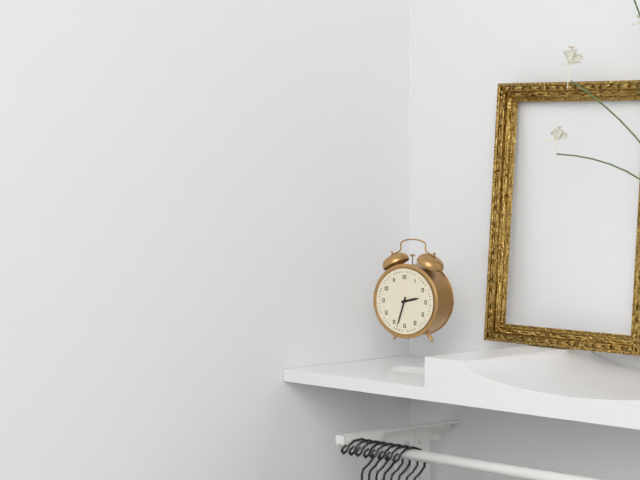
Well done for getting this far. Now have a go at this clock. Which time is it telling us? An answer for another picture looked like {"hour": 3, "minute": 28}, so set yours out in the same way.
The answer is {"hour": 2, "minute": 33}
